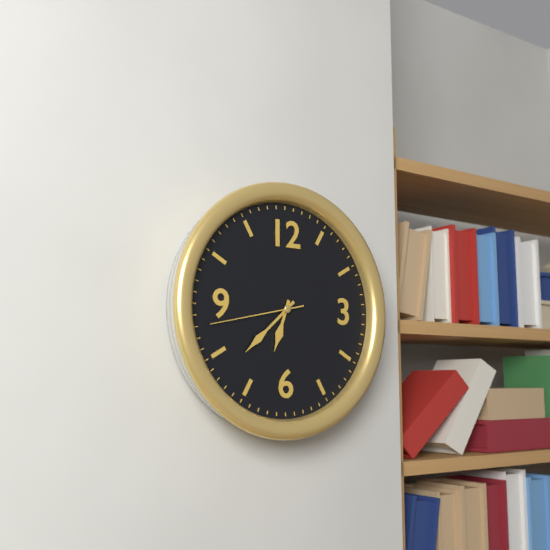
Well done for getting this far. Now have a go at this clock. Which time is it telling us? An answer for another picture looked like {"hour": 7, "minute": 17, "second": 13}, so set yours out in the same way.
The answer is {"hour": 6, "minute": 38, "second": 43}
